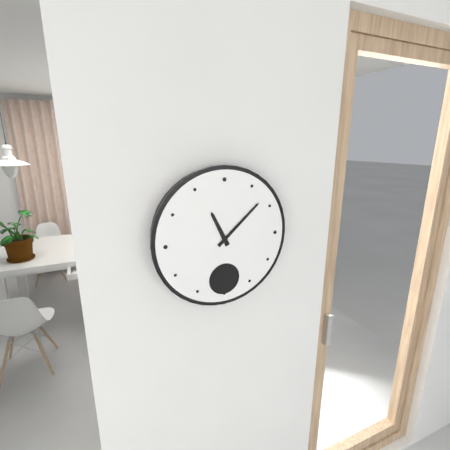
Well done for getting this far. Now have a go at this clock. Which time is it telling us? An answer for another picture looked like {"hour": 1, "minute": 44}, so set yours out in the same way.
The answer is {"hour": 11, "minute": 8}
